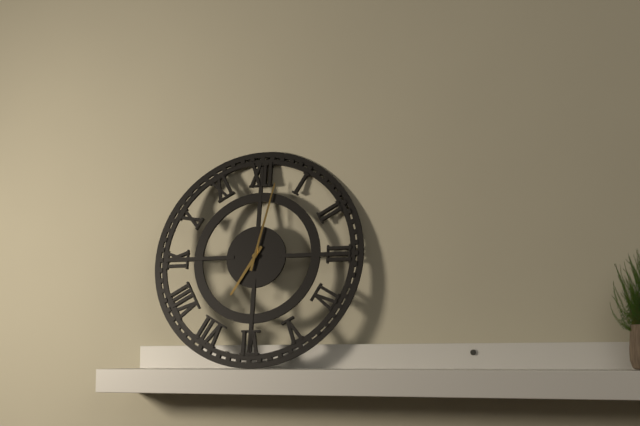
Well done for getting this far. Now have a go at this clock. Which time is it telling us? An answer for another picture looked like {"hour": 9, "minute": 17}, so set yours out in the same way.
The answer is {"hour": 7, "minute": 2}
